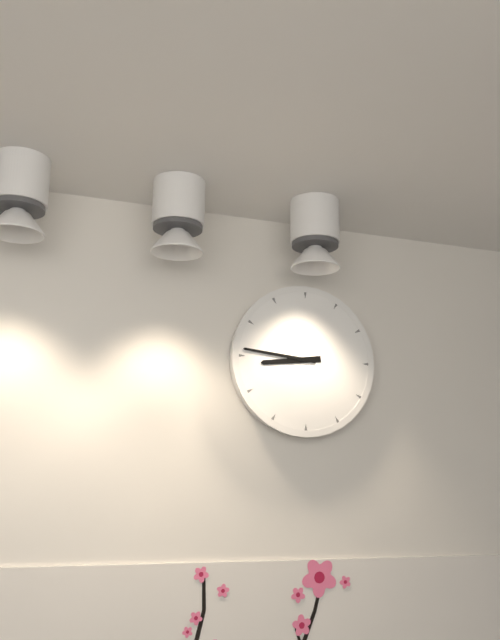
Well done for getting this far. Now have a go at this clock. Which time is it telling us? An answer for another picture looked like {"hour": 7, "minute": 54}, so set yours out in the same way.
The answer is {"hour": 8, "minute": 46}
